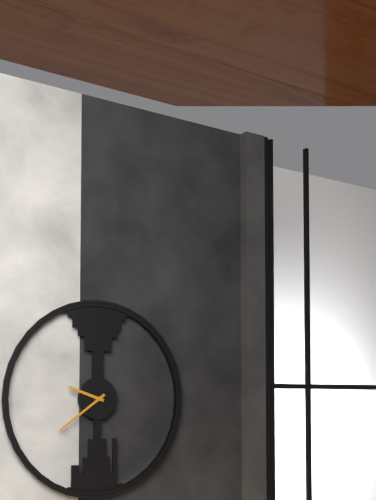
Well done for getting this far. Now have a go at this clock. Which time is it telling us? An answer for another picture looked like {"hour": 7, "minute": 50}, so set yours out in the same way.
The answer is {"hour": 9, "minute": 39}
